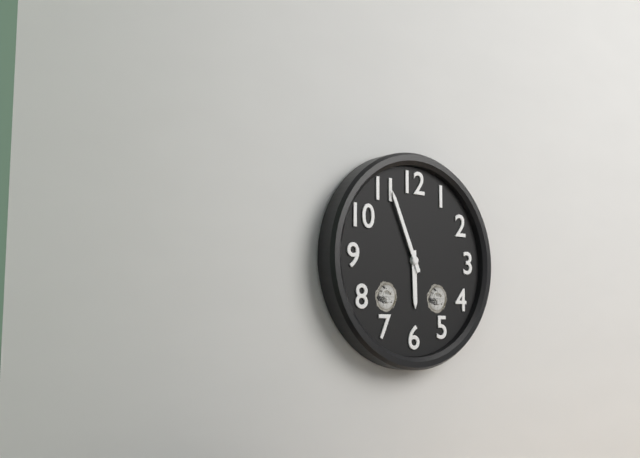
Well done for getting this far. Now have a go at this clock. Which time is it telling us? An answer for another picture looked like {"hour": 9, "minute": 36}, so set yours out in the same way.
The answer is {"hour": 5, "minute": 56}
